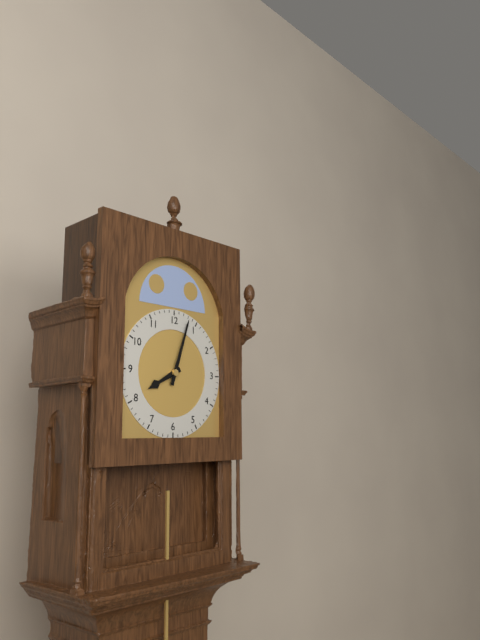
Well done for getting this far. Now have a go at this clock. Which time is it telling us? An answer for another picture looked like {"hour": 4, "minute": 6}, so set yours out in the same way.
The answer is {"hour": 8, "minute": 3}
